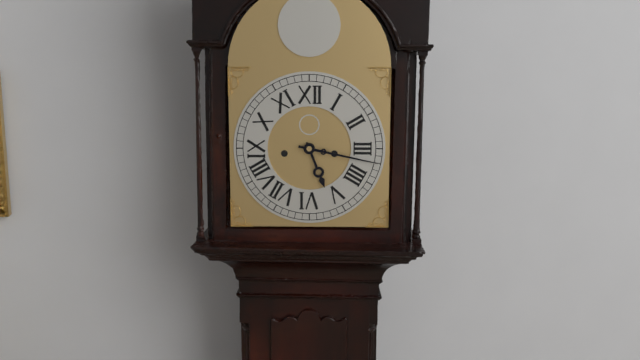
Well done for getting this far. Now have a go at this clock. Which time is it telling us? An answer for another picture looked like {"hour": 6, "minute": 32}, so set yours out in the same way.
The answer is {"hour": 5, "minute": 17}
